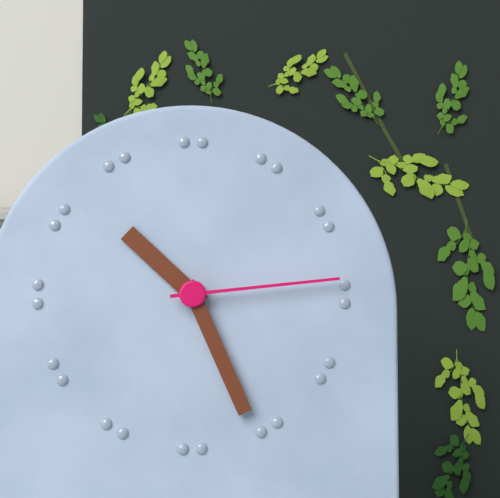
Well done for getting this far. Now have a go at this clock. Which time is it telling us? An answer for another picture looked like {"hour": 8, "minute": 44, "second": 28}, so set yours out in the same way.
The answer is {"hour": 10, "minute": 26, "second": 14}
